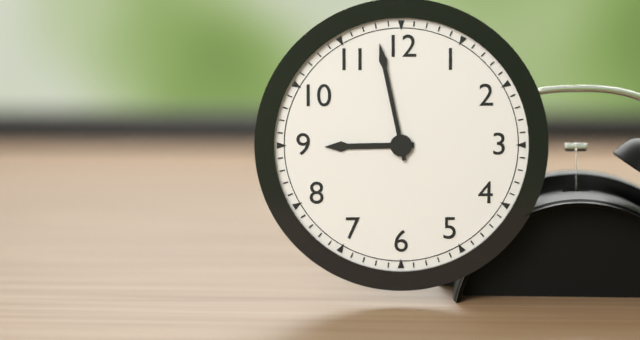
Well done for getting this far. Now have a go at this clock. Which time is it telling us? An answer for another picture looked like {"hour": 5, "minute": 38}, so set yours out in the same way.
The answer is {"hour": 8, "minute": 58}
